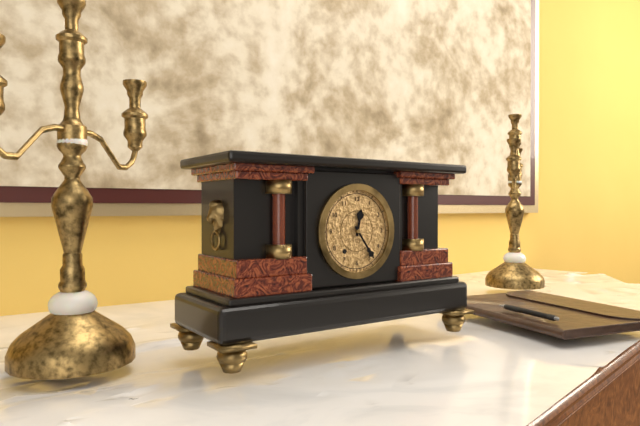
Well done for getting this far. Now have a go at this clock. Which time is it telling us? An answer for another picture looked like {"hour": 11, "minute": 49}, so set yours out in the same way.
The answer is {"hour": 12, "minute": 24}
